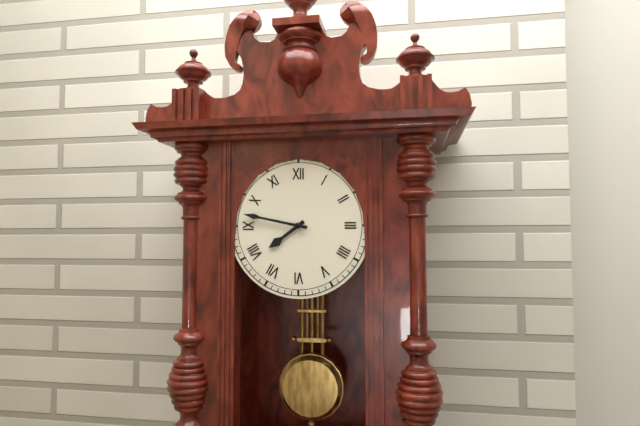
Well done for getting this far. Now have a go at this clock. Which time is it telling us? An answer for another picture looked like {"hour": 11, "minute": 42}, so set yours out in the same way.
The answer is {"hour": 7, "minute": 47}
